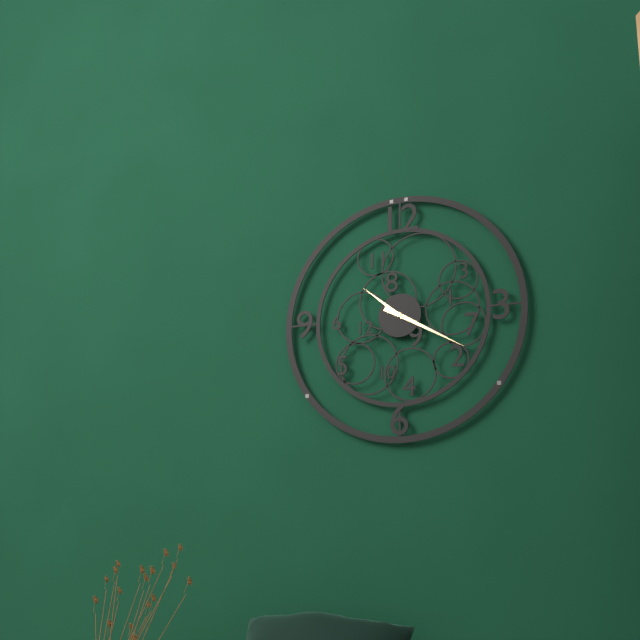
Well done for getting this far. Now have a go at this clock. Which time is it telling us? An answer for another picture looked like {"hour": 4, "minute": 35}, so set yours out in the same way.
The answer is {"hour": 10, "minute": 20}
